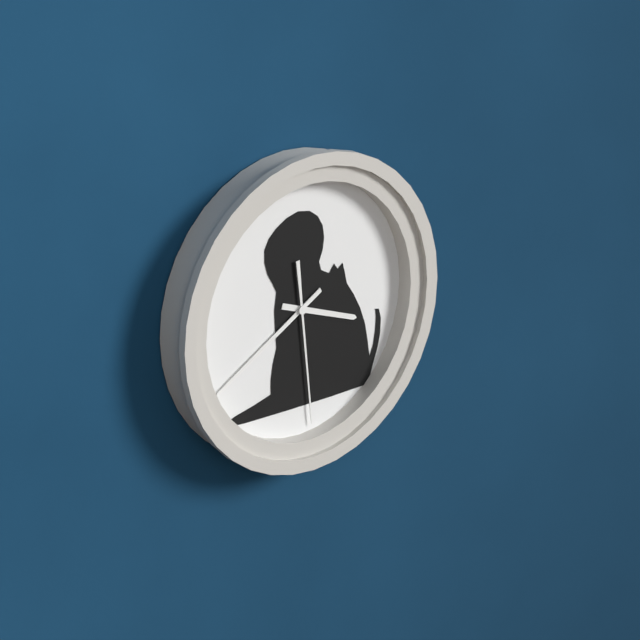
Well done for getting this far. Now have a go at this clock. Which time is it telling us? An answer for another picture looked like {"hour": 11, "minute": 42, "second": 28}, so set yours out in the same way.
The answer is {"hour": 3, "minute": 40, "second": 29}
